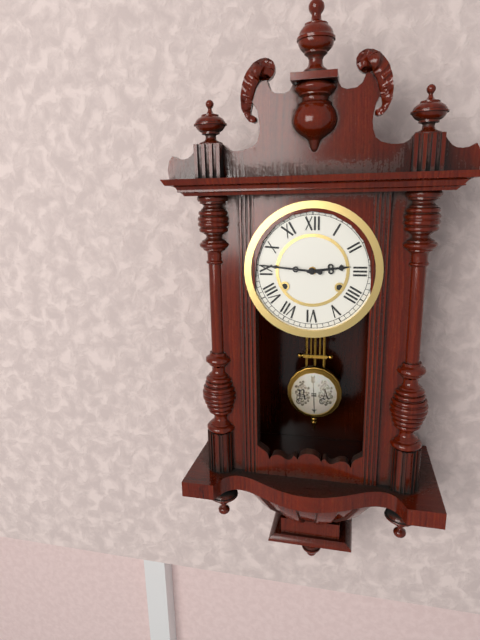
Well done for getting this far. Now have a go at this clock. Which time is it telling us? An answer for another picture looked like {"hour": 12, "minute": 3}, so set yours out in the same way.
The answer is {"hour": 2, "minute": 46}
